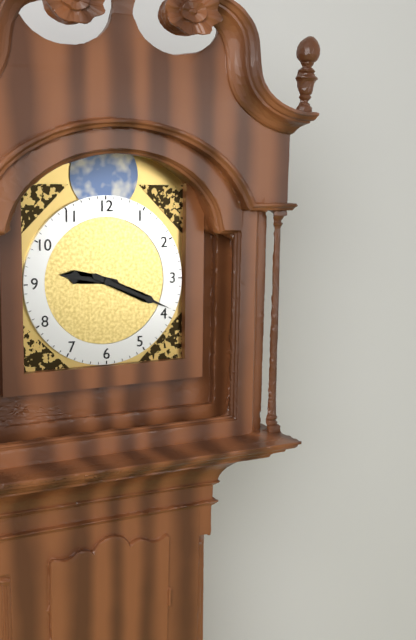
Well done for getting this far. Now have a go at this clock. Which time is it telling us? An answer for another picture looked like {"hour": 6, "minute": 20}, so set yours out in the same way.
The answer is {"hour": 9, "minute": 19}
